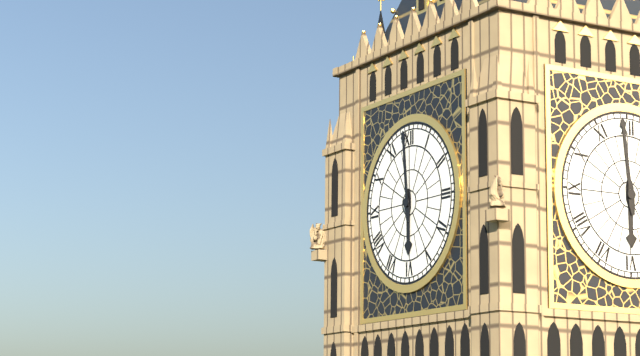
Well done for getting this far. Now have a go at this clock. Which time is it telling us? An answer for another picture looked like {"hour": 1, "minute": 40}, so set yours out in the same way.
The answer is {"hour": 5, "minute": 59}
